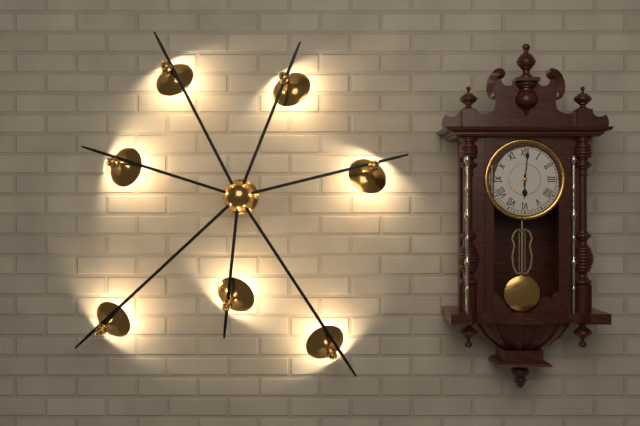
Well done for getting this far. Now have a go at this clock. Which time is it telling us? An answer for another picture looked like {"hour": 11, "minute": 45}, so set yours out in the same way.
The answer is {"hour": 6, "minute": 1}
